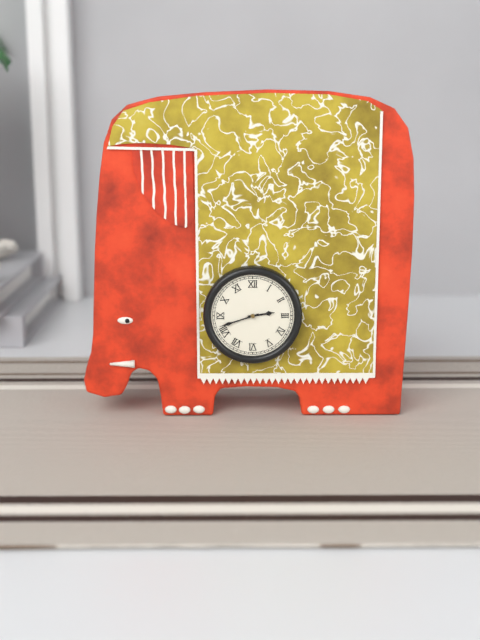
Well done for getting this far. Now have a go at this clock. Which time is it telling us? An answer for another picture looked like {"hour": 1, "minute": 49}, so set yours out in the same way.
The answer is {"hour": 2, "minute": 42}
